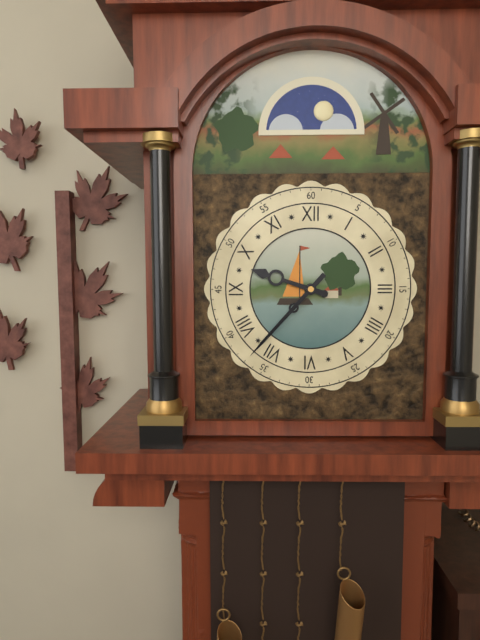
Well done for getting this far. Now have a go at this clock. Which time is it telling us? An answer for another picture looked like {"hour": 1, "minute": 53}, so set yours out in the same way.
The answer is {"hour": 9, "minute": 37}
